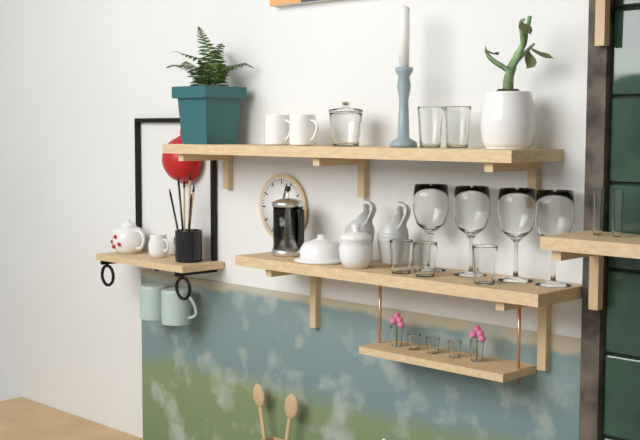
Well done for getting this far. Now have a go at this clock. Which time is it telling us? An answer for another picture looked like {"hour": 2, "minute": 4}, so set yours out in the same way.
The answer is {"hour": 4, "minute": 3}
